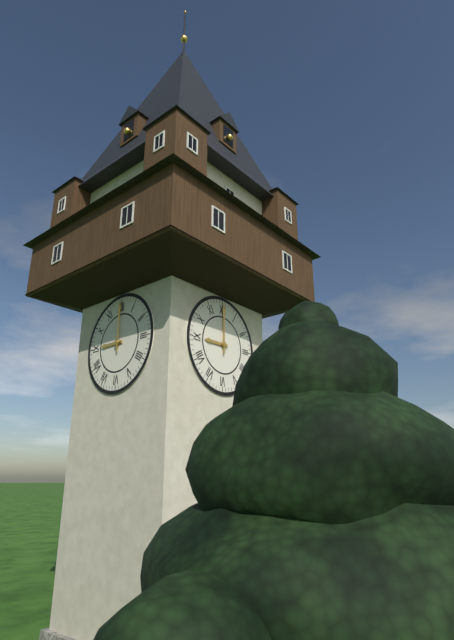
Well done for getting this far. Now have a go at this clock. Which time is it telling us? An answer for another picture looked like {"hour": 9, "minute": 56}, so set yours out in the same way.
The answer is {"hour": 9, "minute": 0}
